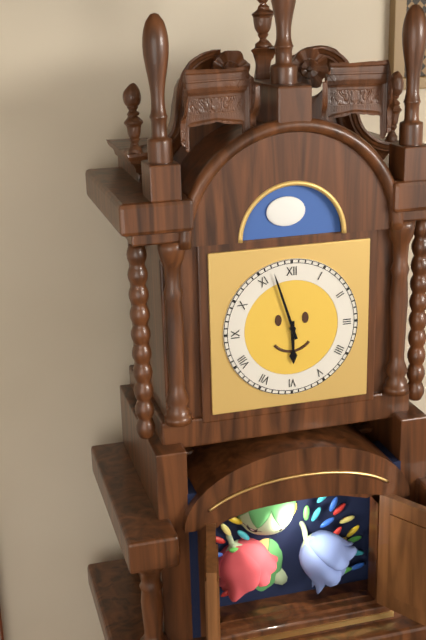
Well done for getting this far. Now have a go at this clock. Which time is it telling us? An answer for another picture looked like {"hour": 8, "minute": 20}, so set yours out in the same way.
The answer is {"hour": 5, "minute": 57}
